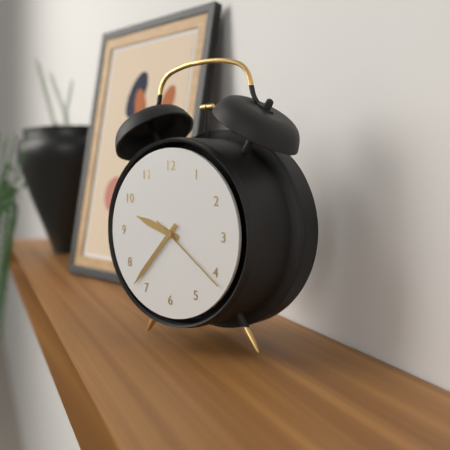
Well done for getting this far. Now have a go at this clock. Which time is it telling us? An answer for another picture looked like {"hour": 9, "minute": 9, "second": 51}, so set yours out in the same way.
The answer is {"hour": 9, "minute": 37, "second": 21}
